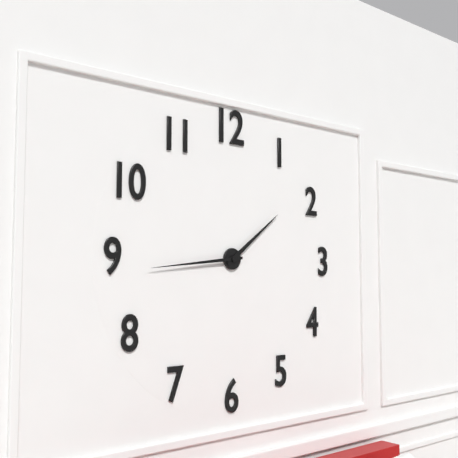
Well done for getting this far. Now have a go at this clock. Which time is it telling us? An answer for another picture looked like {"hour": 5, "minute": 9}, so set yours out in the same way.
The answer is {"hour": 1, "minute": 44}
